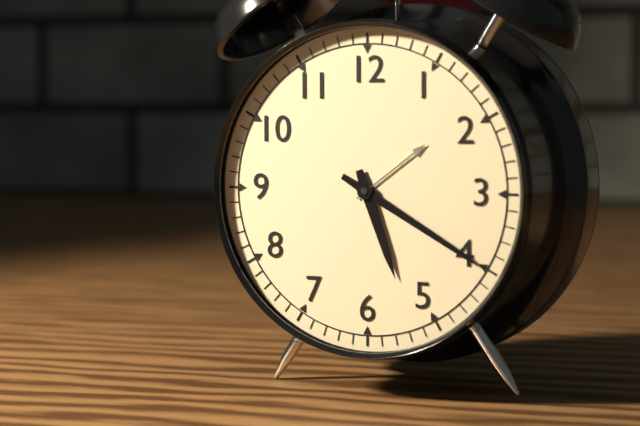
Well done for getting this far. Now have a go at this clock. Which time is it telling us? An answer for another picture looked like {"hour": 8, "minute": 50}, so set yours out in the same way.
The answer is {"hour": 5, "minute": 20}
